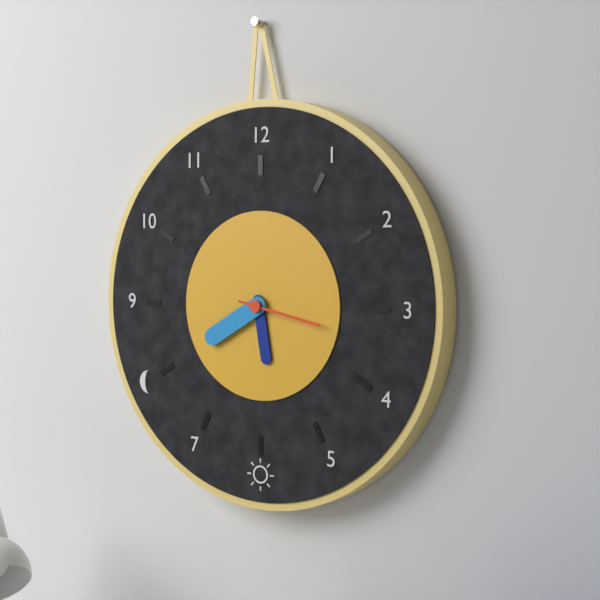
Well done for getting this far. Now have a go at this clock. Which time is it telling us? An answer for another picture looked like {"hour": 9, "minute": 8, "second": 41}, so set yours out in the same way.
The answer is {"hour": 5, "minute": 40, "second": 17}
